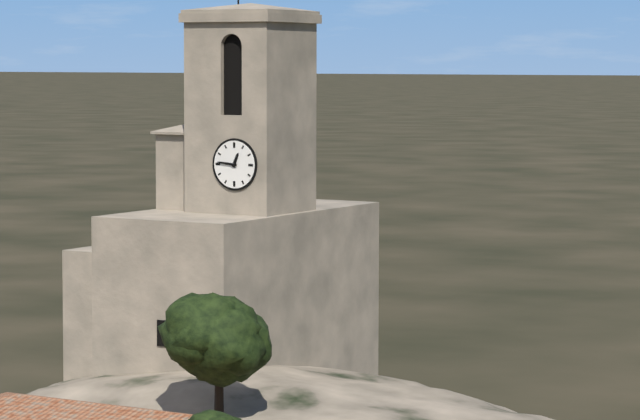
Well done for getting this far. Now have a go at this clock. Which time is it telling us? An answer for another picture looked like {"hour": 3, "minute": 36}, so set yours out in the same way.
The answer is {"hour": 12, "minute": 46}
